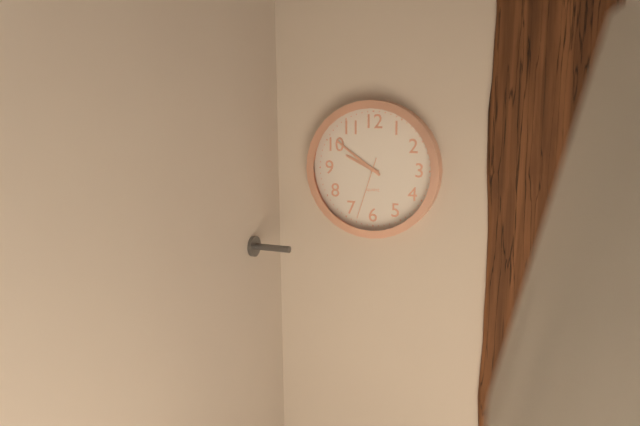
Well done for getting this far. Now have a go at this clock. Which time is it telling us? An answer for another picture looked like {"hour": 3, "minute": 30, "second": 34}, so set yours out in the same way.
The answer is {"hour": 9, "minute": 51, "second": 33}
